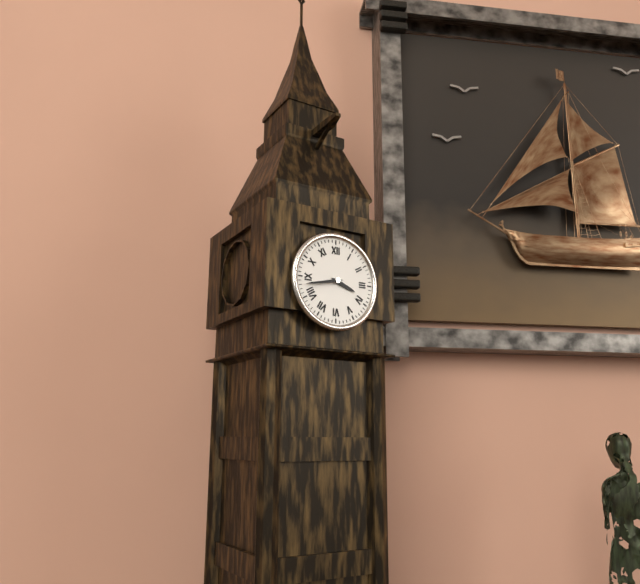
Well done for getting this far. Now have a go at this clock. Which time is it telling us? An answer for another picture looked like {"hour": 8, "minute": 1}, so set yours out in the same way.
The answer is {"hour": 3, "minute": 43}
